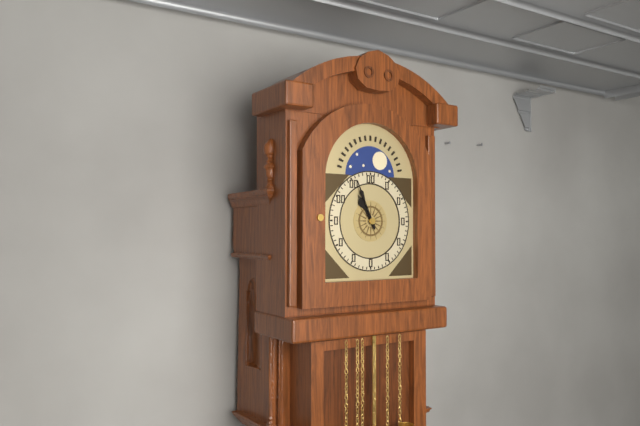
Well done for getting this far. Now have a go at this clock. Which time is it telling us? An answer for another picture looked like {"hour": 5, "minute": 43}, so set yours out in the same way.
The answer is {"hour": 10, "minute": 56}
